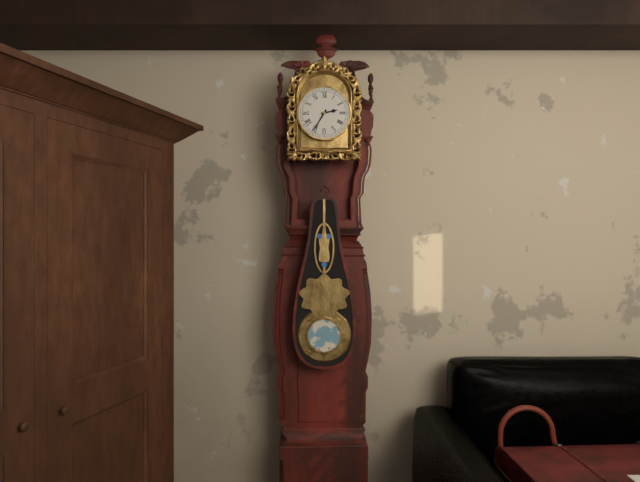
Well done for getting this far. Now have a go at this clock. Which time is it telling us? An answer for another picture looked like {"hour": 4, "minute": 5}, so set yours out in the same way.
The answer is {"hour": 2, "minute": 35}
